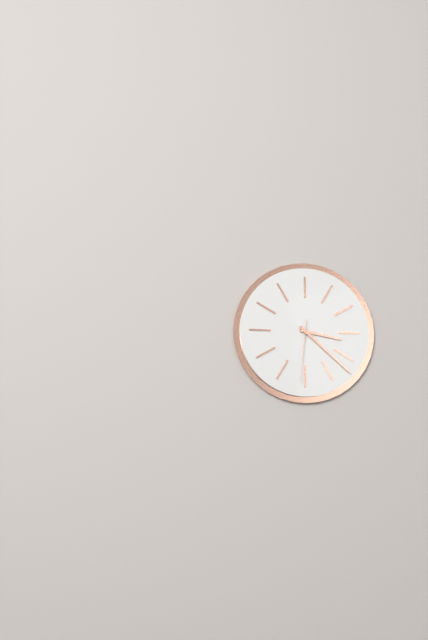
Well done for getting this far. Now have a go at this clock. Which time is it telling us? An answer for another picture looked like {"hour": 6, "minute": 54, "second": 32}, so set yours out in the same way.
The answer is {"hour": 3, "minute": 22, "second": 31}
